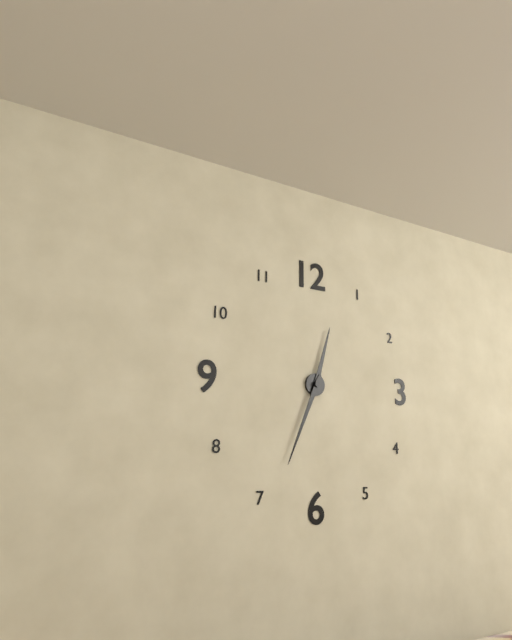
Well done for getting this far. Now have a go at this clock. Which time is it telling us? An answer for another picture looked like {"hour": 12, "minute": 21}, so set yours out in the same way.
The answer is {"hour": 12, "minute": 34}
